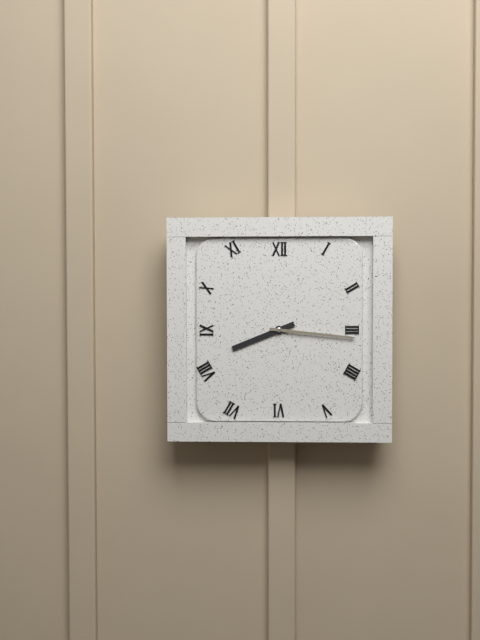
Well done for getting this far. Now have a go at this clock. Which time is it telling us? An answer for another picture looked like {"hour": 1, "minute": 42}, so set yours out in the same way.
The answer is {"hour": 8, "minute": 16}
